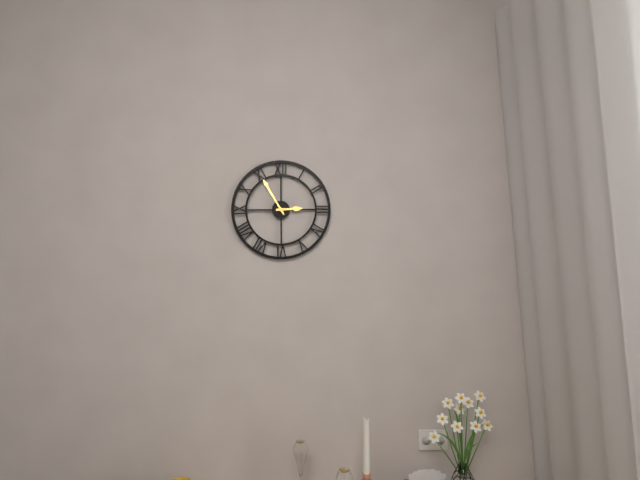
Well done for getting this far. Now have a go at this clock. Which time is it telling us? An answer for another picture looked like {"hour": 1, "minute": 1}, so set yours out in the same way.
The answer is {"hour": 2, "minute": 55}
